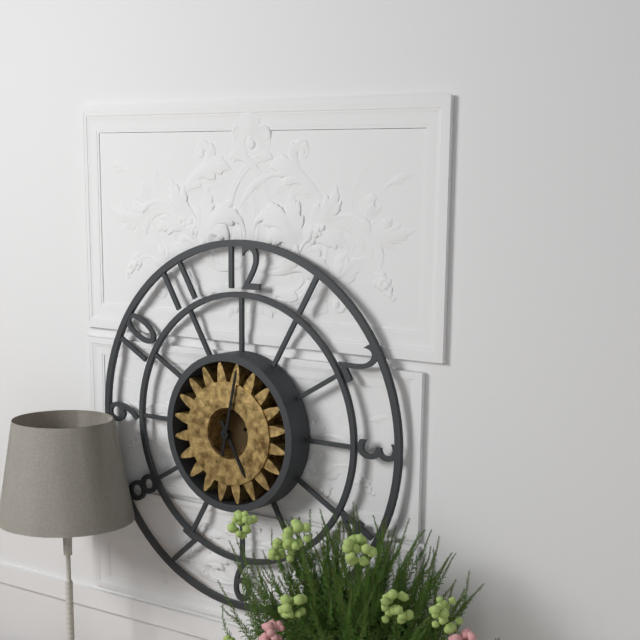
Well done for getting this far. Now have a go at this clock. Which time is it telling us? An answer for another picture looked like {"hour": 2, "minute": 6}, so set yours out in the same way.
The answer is {"hour": 5, "minute": 2}
